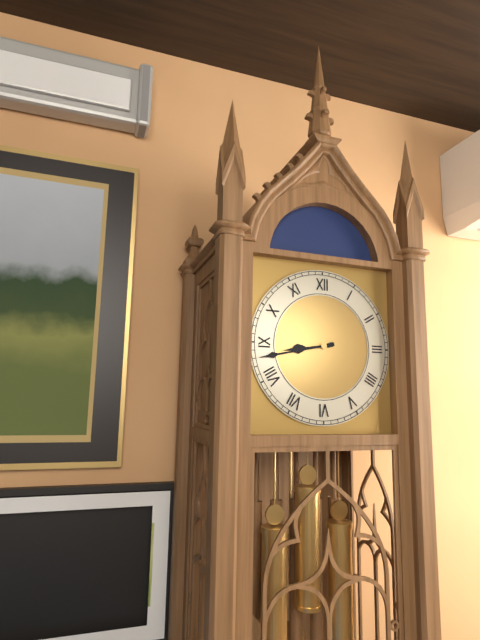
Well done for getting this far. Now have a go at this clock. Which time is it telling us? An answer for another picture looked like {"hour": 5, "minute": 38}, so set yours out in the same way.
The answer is {"hour": 8, "minute": 43}
